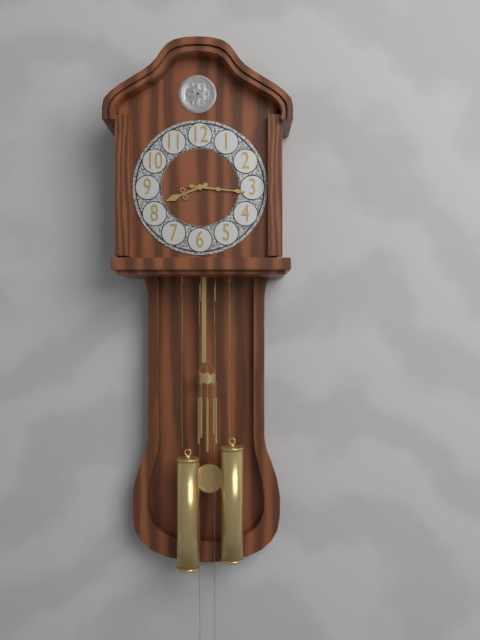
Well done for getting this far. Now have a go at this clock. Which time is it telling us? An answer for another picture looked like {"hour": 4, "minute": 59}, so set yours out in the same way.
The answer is {"hour": 8, "minute": 16}
